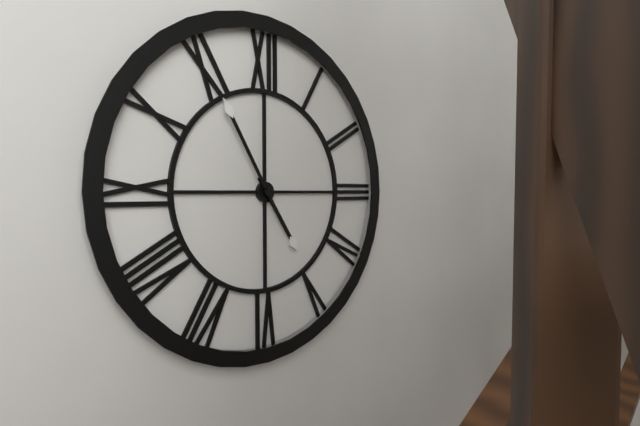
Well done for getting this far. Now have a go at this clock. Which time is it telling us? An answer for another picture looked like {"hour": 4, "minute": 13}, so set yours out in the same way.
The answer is {"hour": 4, "minute": 55}
